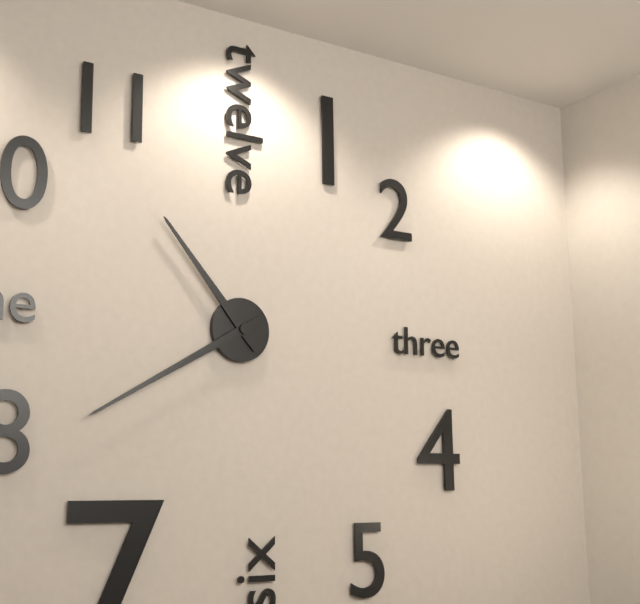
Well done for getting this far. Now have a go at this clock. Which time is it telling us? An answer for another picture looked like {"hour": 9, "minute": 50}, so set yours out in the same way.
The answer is {"hour": 10, "minute": 40}
